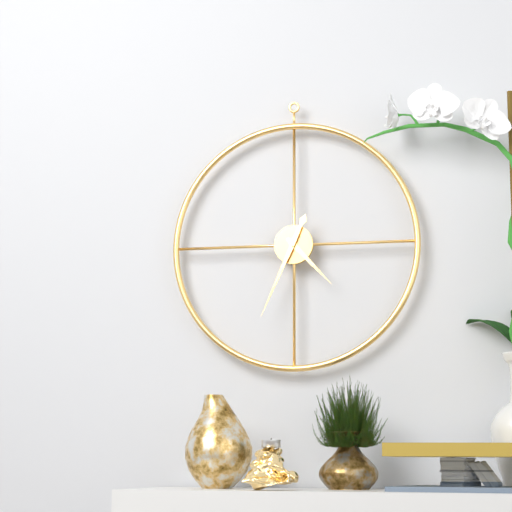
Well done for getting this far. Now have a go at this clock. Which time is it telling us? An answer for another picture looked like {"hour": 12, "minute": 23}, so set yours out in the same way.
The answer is {"hour": 4, "minute": 34}
